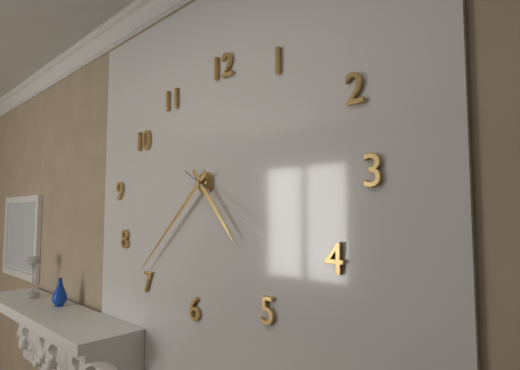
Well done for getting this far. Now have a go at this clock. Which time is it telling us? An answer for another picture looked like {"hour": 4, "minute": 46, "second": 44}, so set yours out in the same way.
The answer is {"hour": 4, "minute": 38, "second": 20}
